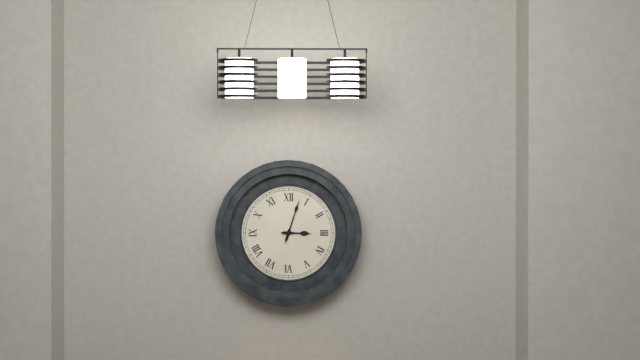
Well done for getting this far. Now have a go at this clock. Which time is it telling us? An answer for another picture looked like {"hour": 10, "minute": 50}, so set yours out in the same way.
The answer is {"hour": 3, "minute": 3}
